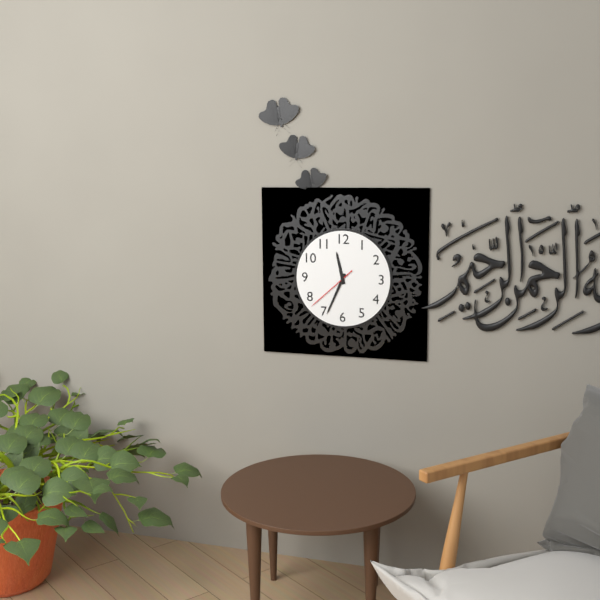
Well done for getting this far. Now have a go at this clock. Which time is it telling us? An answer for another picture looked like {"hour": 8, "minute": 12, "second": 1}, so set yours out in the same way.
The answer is {"hour": 11, "minute": 34, "second": 38}
